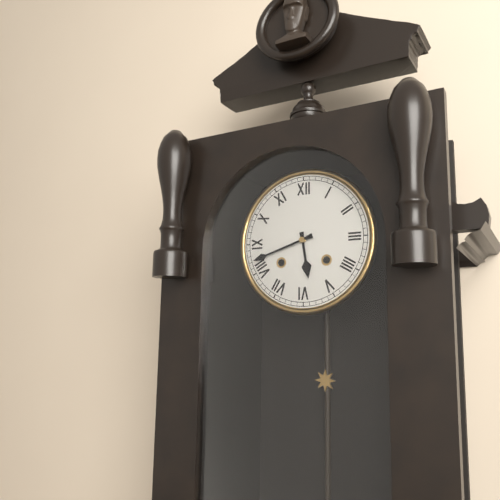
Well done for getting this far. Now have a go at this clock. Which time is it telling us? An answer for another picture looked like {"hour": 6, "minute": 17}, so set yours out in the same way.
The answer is {"hour": 5, "minute": 42}
